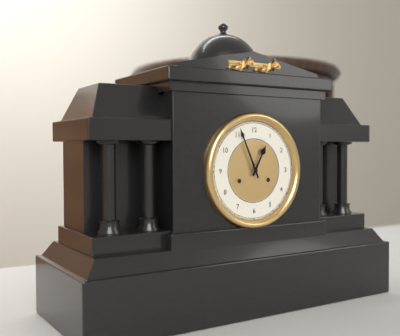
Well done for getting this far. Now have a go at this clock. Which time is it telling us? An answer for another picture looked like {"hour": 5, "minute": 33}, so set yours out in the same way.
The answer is {"hour": 12, "minute": 56}
